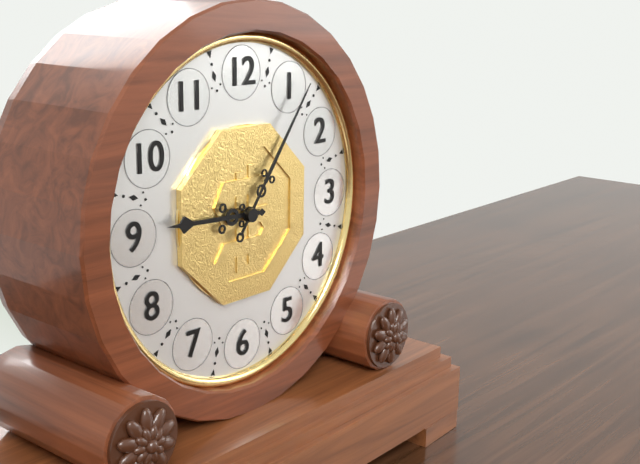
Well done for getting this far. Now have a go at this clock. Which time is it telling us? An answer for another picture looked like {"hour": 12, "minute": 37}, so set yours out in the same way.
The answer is {"hour": 9, "minute": 6}
